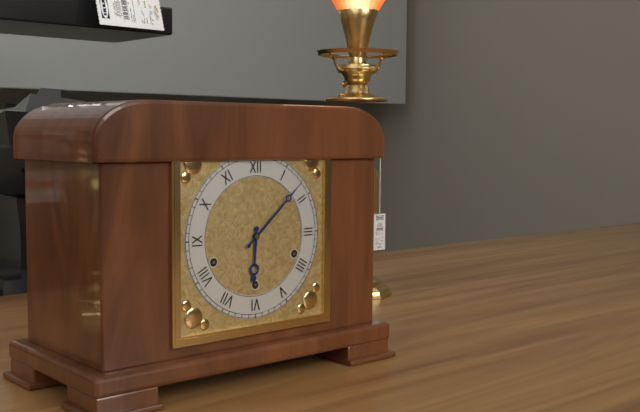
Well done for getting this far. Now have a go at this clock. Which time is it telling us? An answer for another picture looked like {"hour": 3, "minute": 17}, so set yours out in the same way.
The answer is {"hour": 6, "minute": 8}
